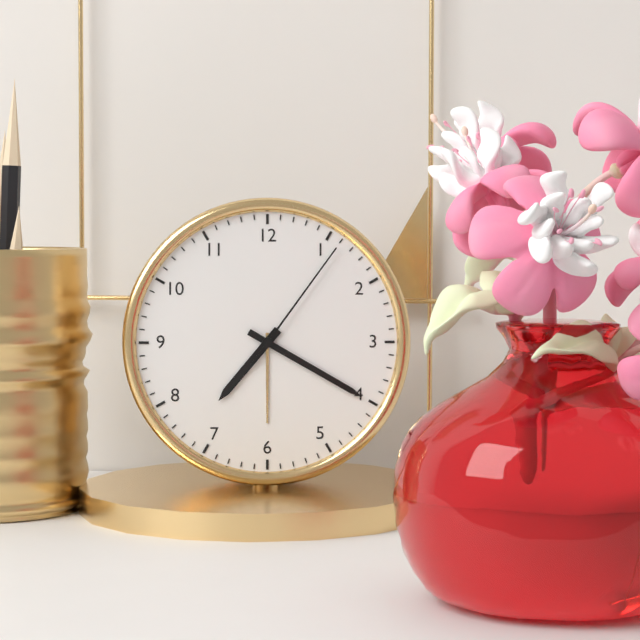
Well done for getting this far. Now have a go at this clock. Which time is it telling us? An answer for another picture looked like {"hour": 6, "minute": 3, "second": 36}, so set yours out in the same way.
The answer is {"hour": 7, "minute": 20, "second": 6}
